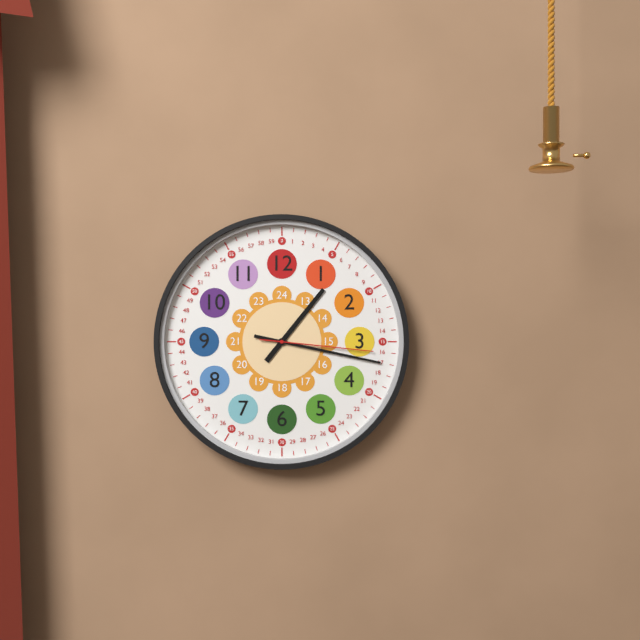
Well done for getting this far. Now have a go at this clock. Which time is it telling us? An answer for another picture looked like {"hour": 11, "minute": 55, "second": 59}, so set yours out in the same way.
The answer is {"hour": 1, "minute": 17, "second": 16}
